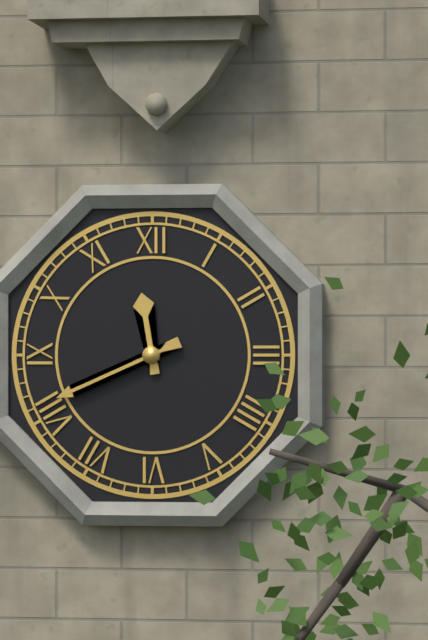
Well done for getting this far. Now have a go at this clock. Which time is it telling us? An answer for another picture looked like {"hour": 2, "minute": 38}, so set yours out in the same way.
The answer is {"hour": 11, "minute": 41}
